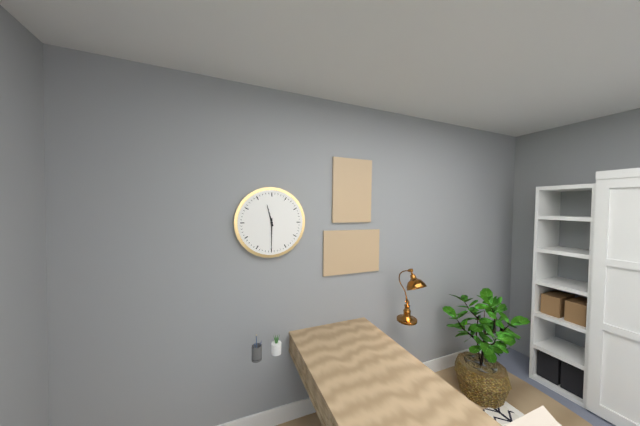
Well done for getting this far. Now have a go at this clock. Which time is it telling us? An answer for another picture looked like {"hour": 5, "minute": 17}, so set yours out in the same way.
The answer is {"hour": 11, "minute": 30}
